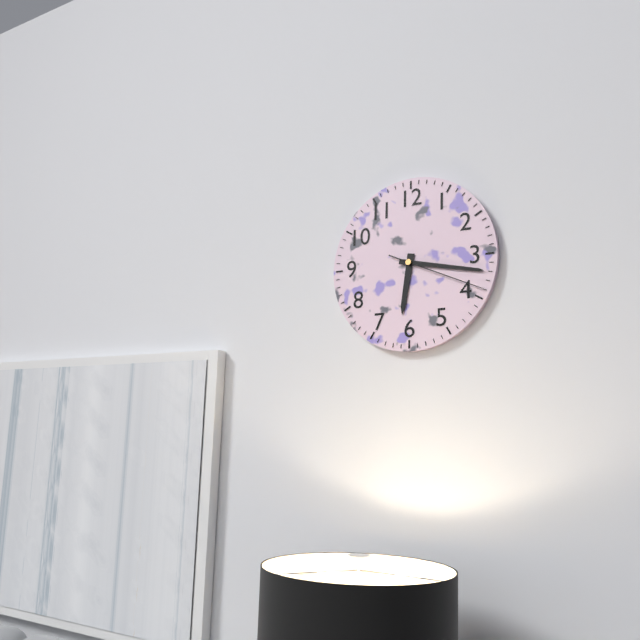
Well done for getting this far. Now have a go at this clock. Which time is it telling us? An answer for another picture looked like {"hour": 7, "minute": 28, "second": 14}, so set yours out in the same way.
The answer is {"hour": 6, "minute": 17, "second": 19}
